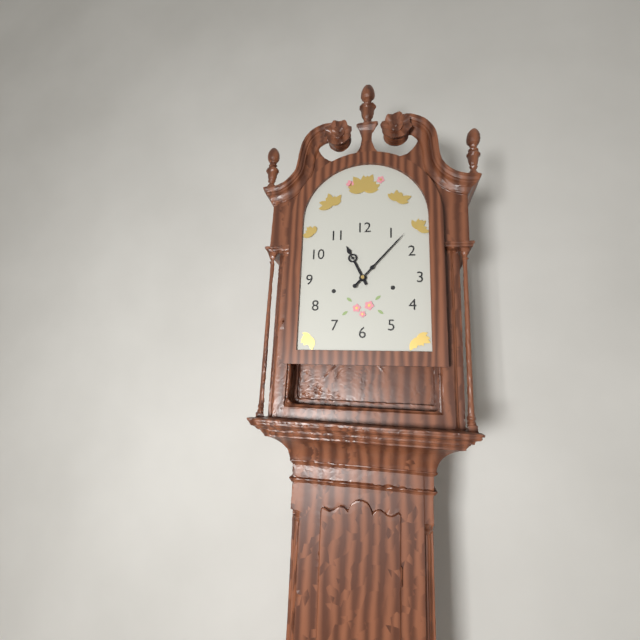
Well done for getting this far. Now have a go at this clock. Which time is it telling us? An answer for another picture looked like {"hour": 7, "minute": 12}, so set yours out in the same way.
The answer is {"hour": 11, "minute": 7}
